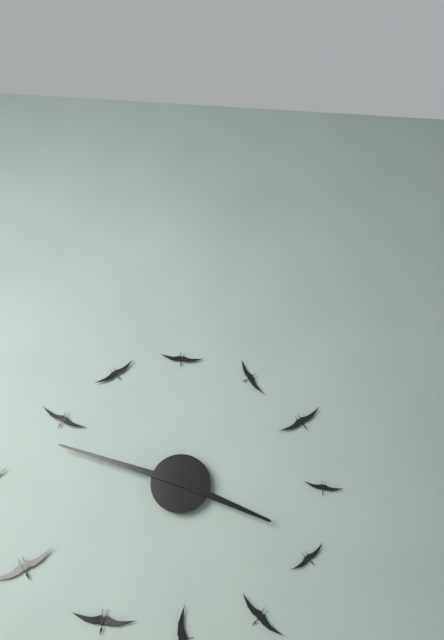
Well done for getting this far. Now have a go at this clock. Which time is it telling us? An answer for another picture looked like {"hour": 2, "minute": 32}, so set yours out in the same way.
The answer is {"hour": 3, "minute": 48}
